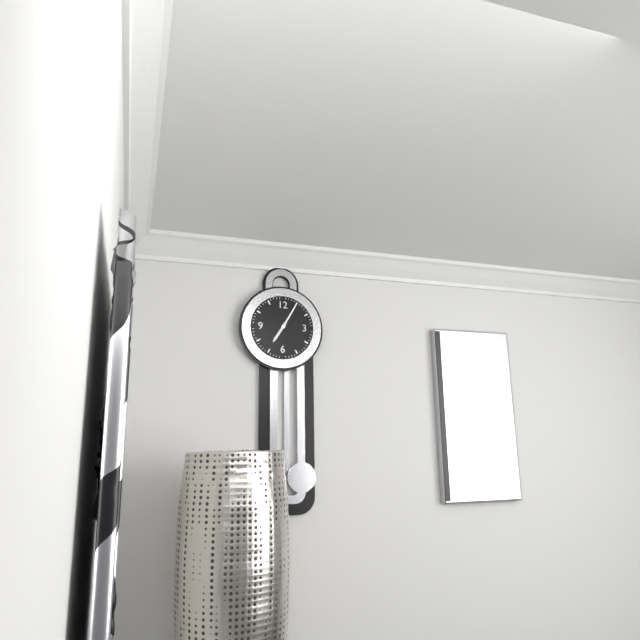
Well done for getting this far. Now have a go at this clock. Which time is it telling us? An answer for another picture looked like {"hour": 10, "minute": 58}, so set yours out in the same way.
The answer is {"hour": 7, "minute": 5}
